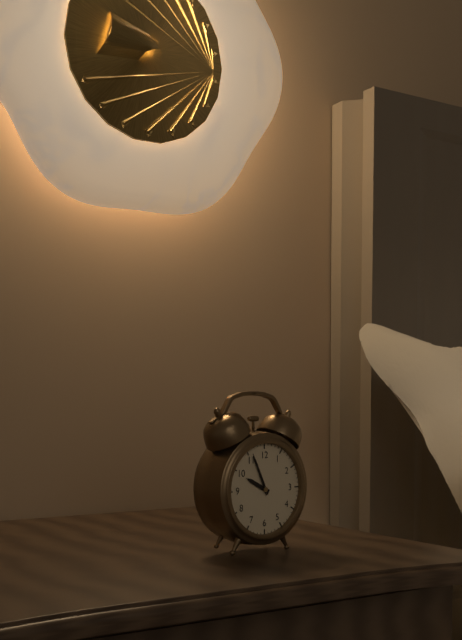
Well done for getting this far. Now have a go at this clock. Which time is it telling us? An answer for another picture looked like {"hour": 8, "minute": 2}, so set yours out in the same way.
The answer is {"hour": 9, "minute": 56}
